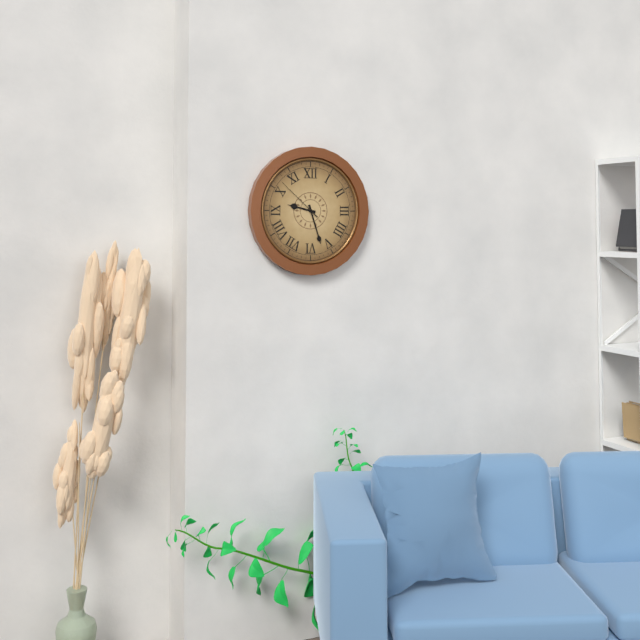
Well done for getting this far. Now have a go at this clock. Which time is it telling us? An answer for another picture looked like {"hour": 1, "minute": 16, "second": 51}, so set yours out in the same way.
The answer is {"hour": 9, "minute": 27, "second": 52}
